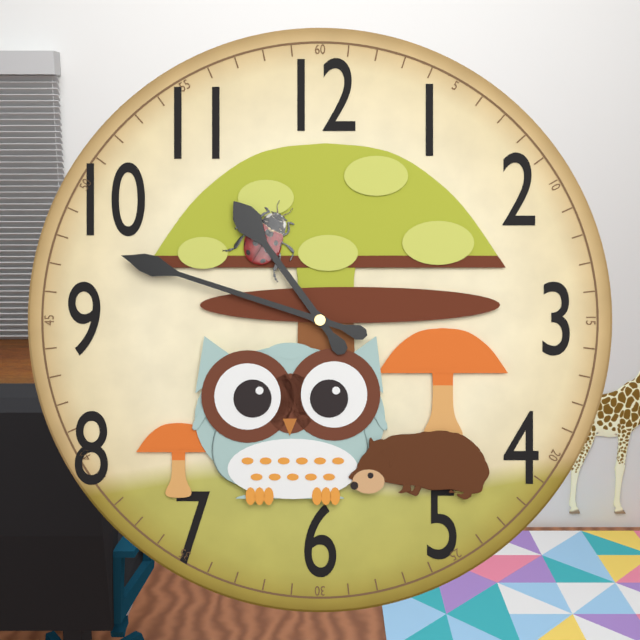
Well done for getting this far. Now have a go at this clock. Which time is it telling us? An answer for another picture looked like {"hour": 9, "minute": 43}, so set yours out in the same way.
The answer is {"hour": 10, "minute": 48}
